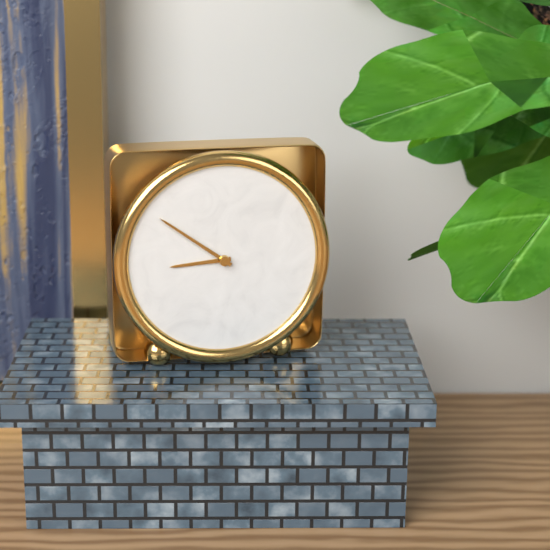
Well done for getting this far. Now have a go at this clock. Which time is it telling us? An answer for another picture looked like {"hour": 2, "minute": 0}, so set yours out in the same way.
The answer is {"hour": 8, "minute": 51}
